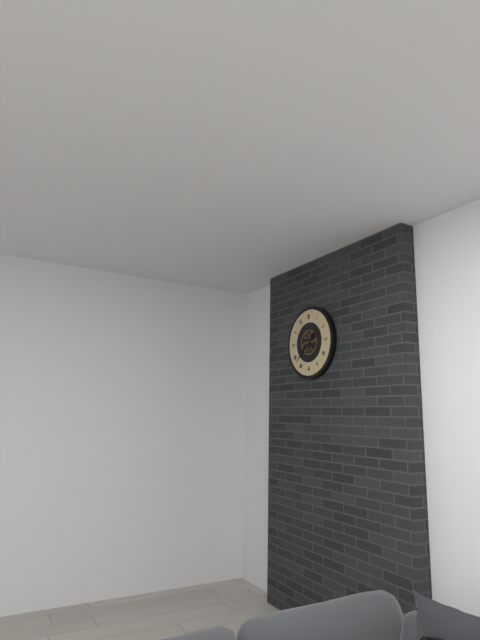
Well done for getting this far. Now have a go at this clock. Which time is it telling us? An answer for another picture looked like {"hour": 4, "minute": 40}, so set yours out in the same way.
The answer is {"hour": 1, "minute": 38}
